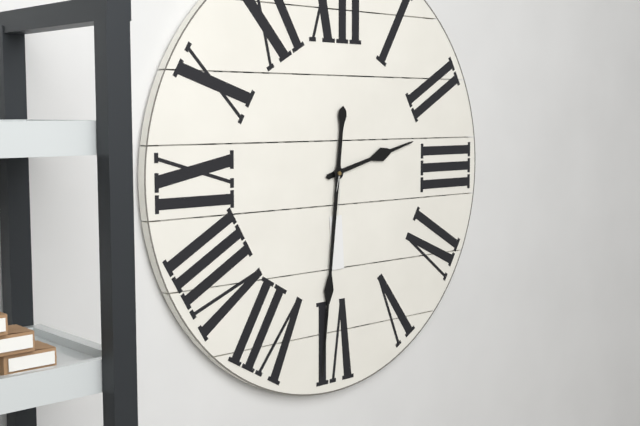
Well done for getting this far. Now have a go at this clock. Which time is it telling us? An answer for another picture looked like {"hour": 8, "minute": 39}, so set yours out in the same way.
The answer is {"hour": 2, "minute": 31}
